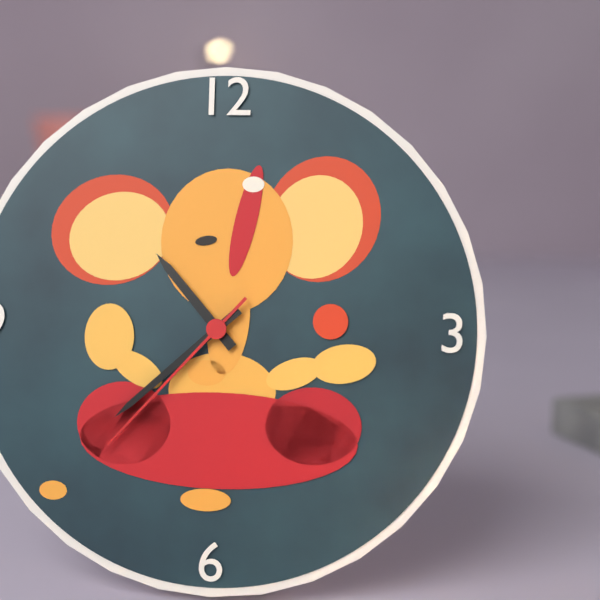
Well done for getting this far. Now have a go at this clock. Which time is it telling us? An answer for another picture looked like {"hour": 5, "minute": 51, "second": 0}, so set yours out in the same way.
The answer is {"hour": 10, "minute": 38, "second": 37}
